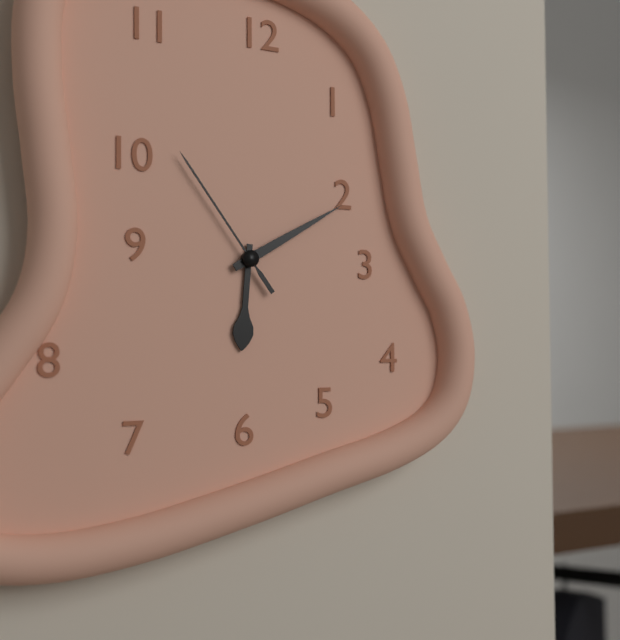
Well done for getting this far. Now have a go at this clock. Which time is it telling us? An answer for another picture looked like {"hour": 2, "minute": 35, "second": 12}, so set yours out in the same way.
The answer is {"hour": 6, "minute": 10, "second": 54}
